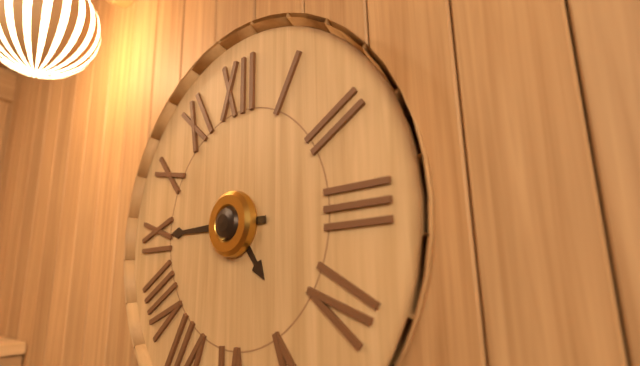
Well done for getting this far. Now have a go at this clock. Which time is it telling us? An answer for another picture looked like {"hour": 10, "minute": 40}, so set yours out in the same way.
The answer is {"hour": 4, "minute": 45}
